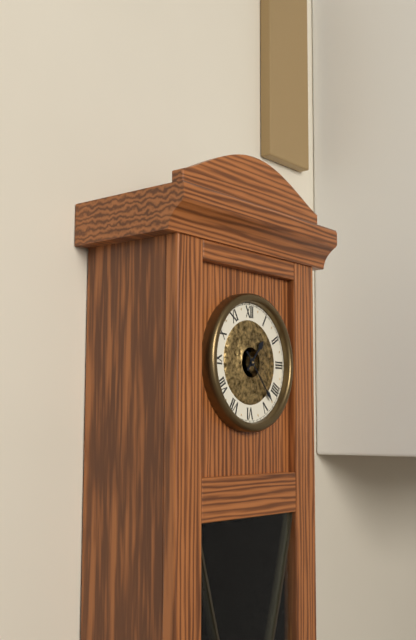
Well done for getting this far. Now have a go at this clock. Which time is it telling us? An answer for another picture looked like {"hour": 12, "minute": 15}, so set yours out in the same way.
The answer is {"hour": 1, "minute": 23}
